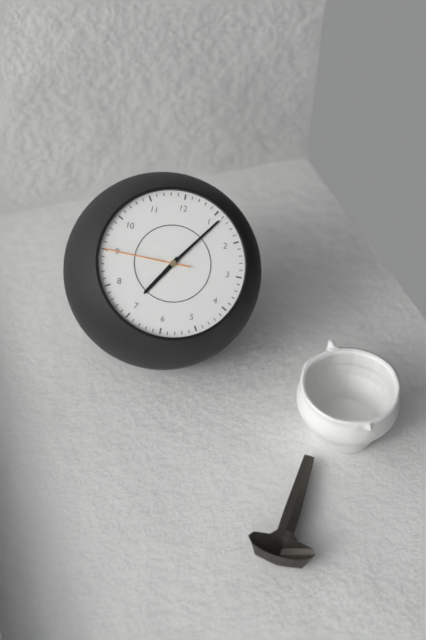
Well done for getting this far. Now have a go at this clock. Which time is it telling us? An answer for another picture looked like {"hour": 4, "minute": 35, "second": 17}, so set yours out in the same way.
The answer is {"hour": 7, "minute": 6, "second": 45}
